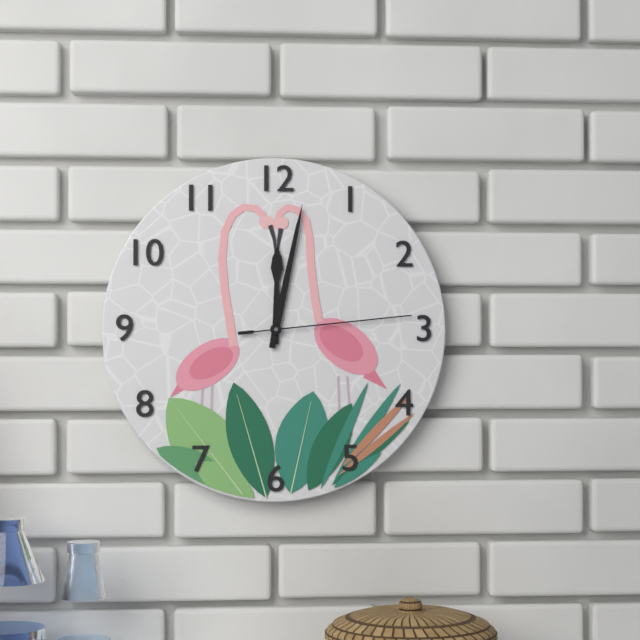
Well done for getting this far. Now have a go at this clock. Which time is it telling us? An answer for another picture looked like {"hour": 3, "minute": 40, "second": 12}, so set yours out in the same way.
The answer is {"hour": 12, "minute": 2, "second": 14}
